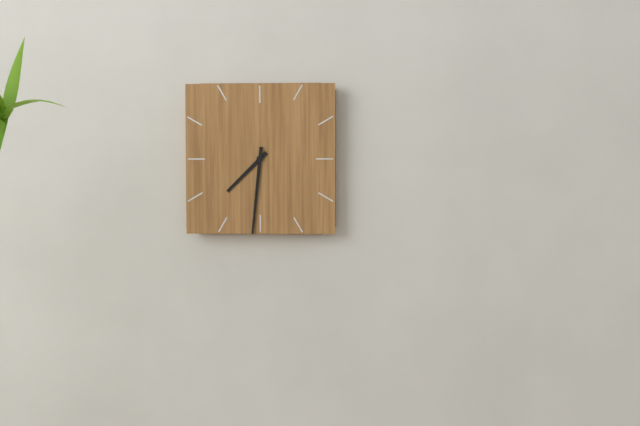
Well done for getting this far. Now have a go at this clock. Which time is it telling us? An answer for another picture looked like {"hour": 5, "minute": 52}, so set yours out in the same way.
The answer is {"hour": 7, "minute": 31}
